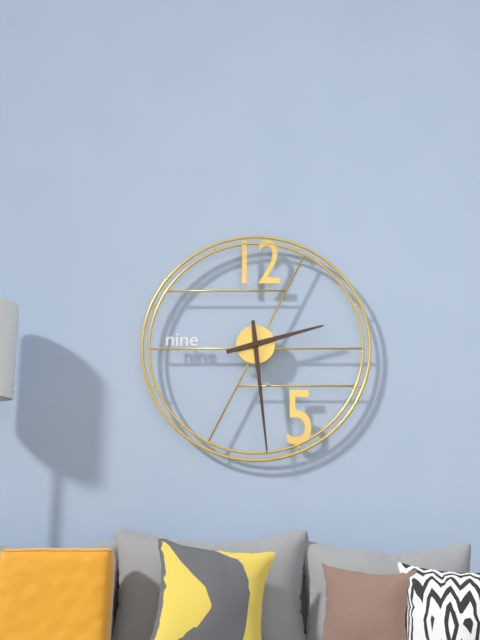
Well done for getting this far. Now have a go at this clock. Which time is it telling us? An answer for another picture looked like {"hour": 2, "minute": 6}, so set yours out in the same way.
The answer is {"hour": 2, "minute": 29}
